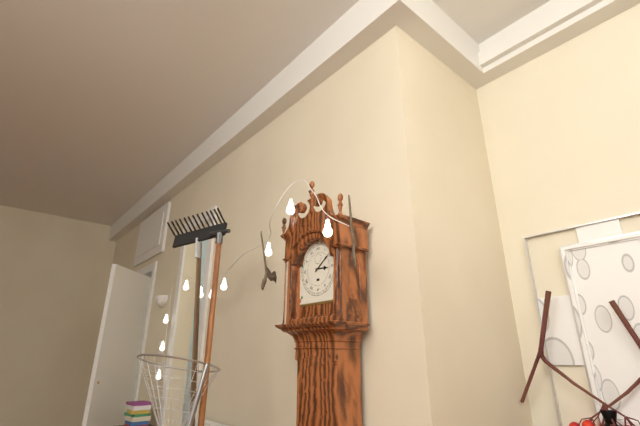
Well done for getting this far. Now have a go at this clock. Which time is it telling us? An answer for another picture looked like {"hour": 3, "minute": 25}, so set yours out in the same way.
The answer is {"hour": 3, "minute": 9}
